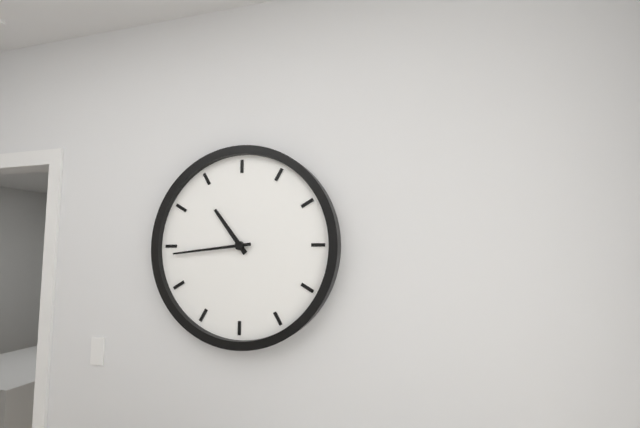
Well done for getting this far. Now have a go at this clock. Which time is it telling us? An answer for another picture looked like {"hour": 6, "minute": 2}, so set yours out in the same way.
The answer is {"hour": 10, "minute": 44}
